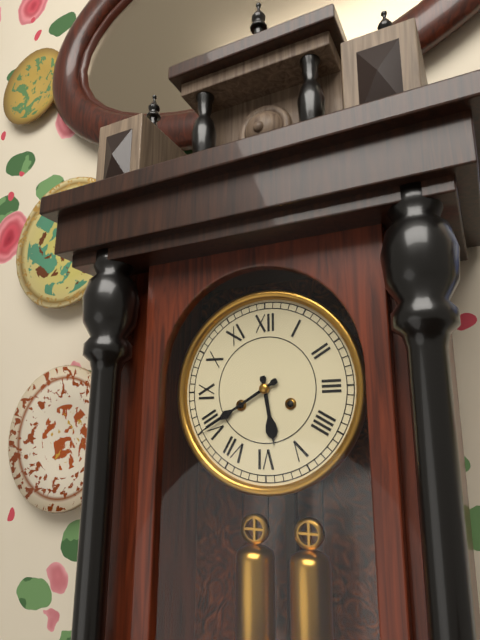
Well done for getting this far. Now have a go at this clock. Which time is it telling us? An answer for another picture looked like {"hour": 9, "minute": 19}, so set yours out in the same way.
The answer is {"hour": 5, "minute": 40}
